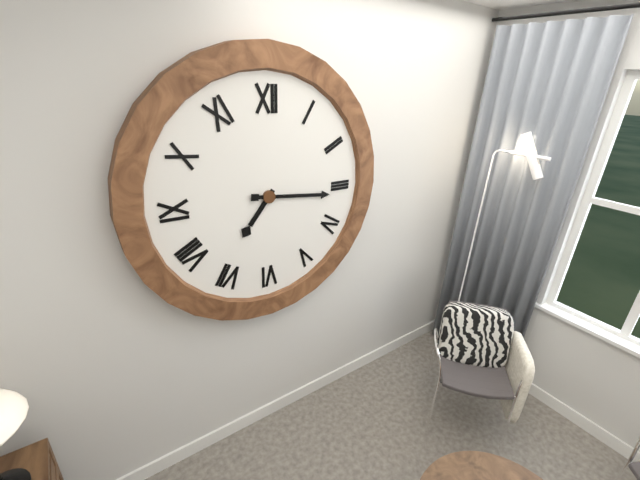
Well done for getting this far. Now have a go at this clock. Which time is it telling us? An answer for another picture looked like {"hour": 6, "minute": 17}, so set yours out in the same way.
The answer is {"hour": 7, "minute": 16}
